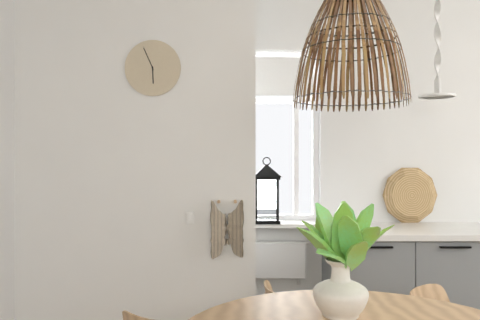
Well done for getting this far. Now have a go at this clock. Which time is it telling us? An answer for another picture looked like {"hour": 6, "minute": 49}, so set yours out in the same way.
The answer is {"hour": 5, "minute": 56}
